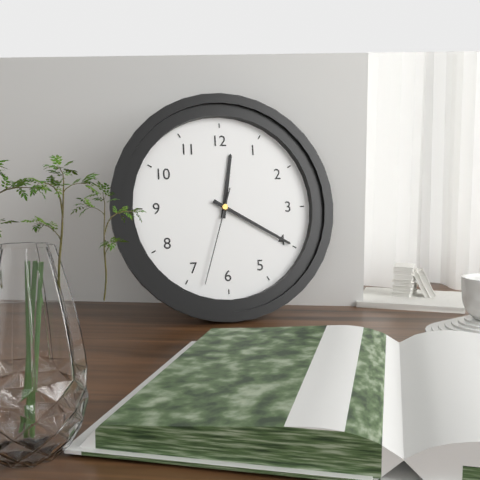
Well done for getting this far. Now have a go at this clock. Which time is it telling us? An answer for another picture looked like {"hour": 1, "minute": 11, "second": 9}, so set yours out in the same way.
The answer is {"hour": 12, "minute": 20, "second": 33}
